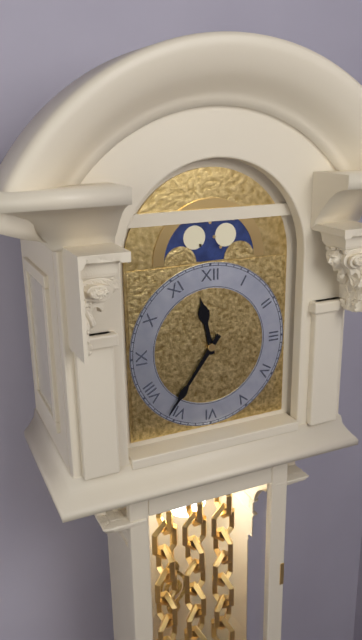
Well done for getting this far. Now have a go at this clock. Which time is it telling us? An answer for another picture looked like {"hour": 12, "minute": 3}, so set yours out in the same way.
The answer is {"hour": 11, "minute": 36}
